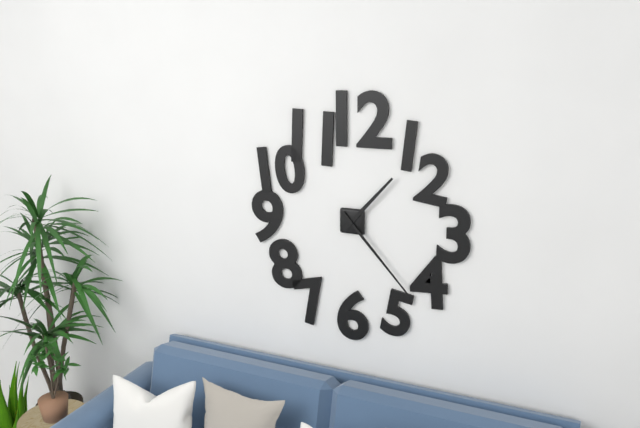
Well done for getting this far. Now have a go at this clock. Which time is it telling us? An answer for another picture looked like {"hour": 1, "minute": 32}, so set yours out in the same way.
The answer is {"hour": 1, "minute": 23}
